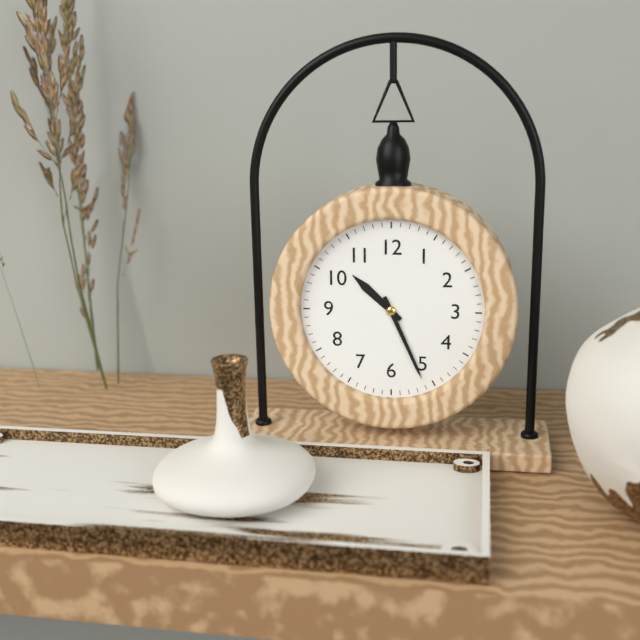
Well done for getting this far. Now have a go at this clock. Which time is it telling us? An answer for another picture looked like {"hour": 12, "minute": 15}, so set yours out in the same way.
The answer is {"hour": 10, "minute": 26}
